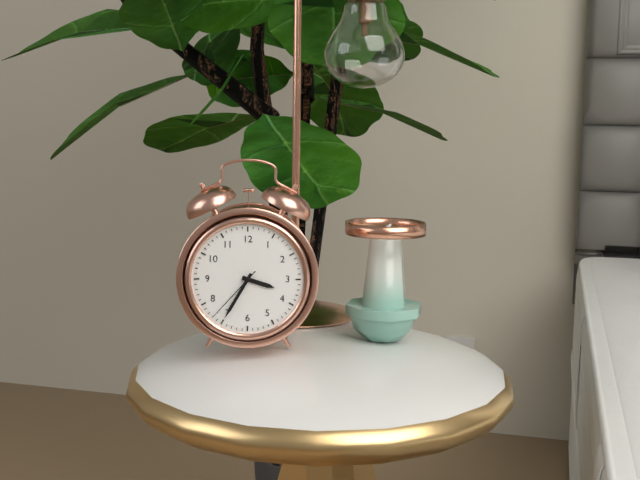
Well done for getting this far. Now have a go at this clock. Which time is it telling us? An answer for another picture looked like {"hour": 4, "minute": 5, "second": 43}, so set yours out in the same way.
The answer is {"hour": 3, "minute": 35, "second": 37}
